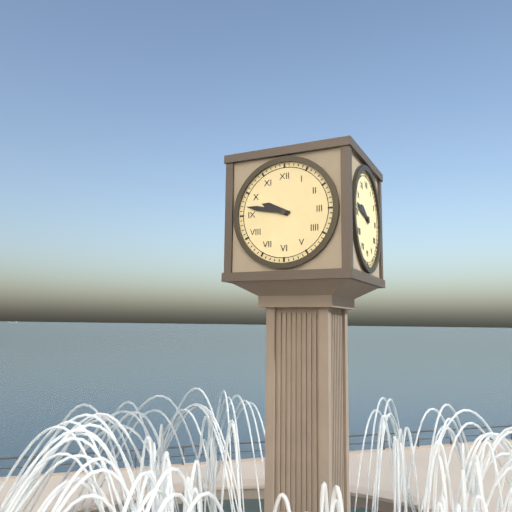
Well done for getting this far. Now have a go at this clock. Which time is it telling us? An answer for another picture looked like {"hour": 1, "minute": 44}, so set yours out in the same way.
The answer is {"hour": 9, "minute": 47}
